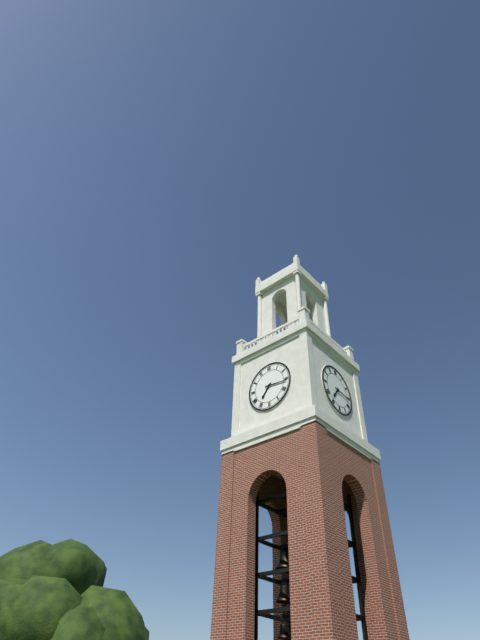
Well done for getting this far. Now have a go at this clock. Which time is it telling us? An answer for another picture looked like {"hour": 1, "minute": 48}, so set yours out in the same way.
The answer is {"hour": 7, "minute": 16}
